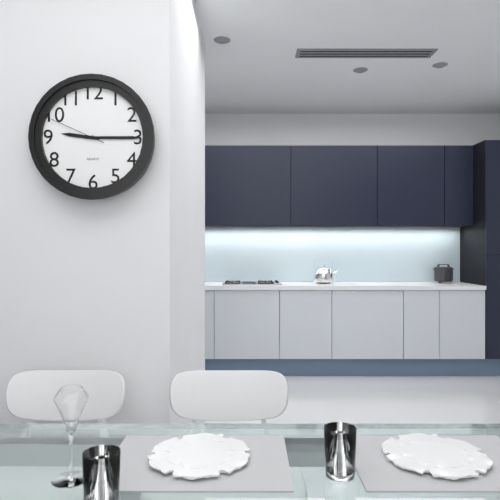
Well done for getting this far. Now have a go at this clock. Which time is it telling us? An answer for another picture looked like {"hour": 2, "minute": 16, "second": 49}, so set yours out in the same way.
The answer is {"hour": 9, "minute": 15, "second": 49}
